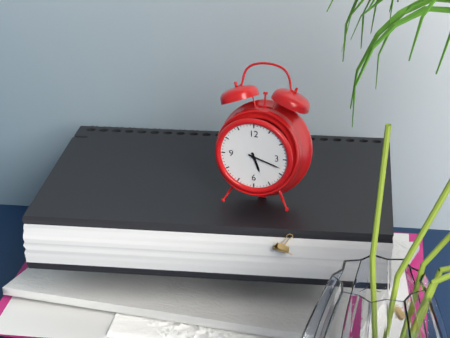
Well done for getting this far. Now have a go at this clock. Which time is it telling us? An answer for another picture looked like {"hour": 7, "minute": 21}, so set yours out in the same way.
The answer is {"hour": 5, "minute": 18}
